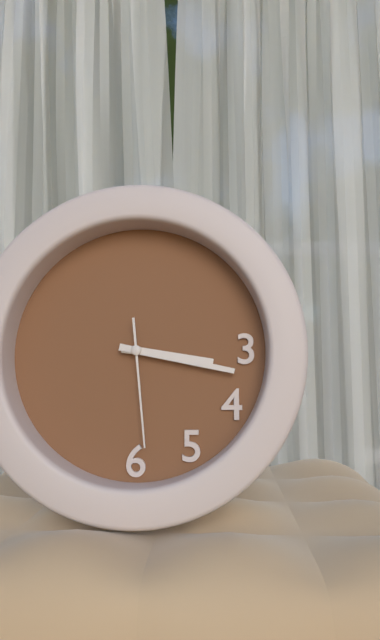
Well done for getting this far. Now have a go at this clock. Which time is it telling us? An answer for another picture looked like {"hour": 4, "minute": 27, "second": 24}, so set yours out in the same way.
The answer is {"hour": 3, "minute": 17, "second": 29}
